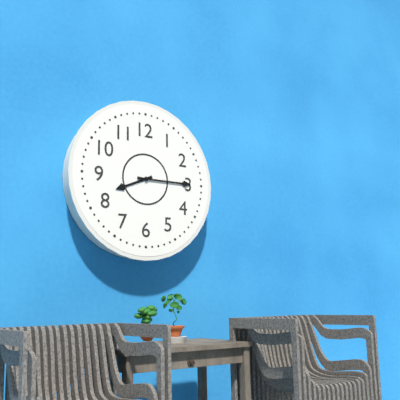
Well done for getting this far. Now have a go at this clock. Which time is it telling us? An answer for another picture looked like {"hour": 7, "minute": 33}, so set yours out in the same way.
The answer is {"hour": 8, "minute": 15}
